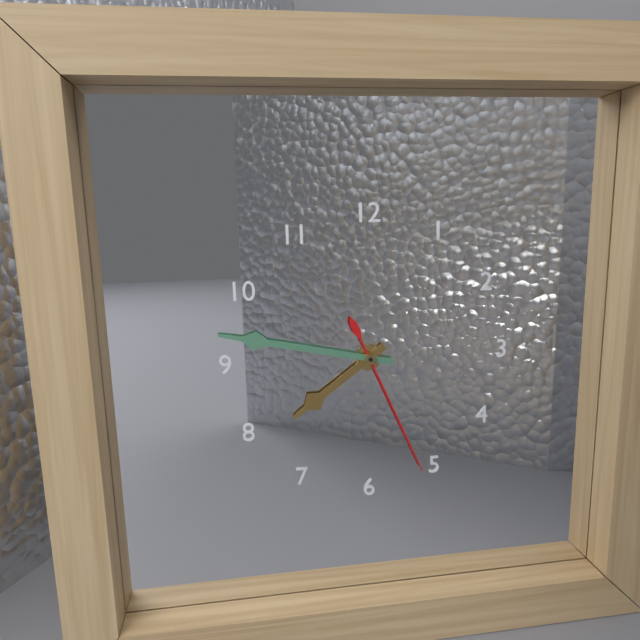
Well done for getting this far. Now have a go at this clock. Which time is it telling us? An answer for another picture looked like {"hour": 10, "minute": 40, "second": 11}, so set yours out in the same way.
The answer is {"hour": 7, "minute": 47, "second": 26}
